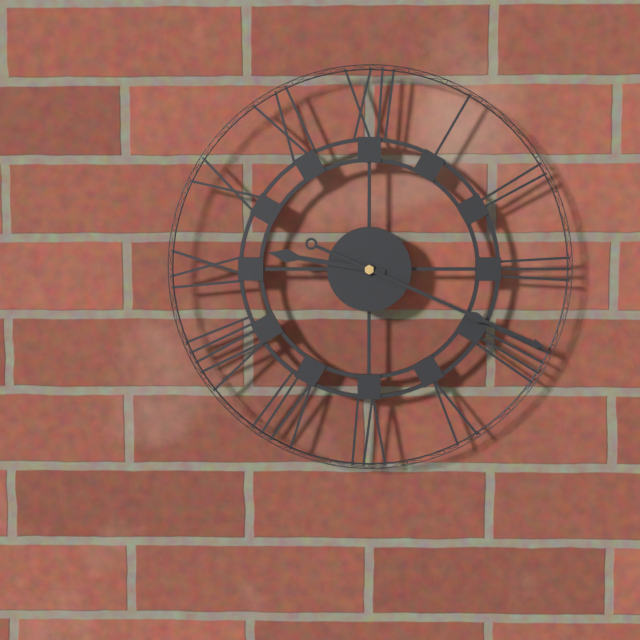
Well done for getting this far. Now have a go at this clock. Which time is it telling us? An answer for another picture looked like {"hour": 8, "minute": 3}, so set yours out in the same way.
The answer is {"hour": 9, "minute": 19}
